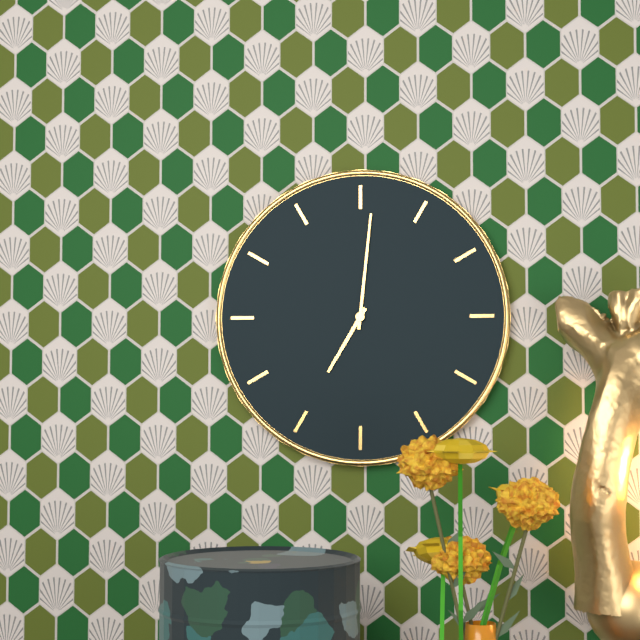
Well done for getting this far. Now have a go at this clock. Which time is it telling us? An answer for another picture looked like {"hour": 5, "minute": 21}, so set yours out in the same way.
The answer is {"hour": 7, "minute": 1}
